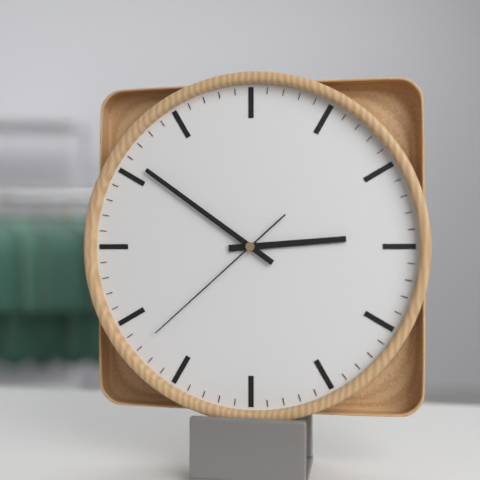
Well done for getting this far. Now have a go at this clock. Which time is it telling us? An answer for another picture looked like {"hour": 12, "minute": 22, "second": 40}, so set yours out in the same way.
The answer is {"hour": 2, "minute": 51, "second": 38}
